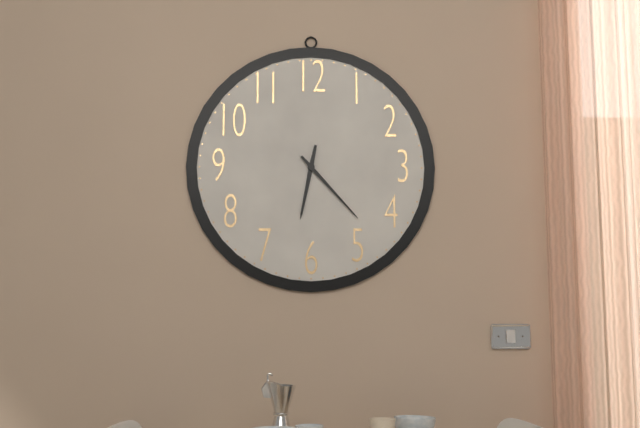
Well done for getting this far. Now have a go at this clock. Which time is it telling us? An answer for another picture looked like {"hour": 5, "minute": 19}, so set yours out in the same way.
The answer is {"hour": 6, "minute": 23}
